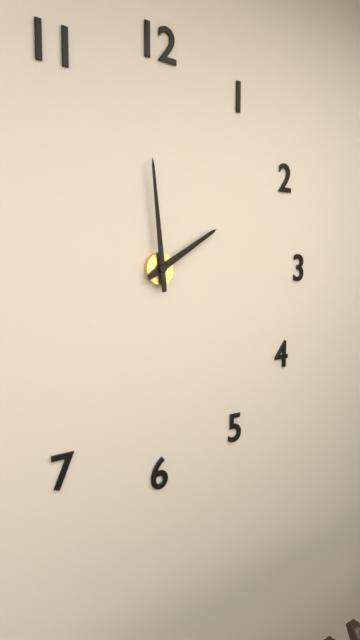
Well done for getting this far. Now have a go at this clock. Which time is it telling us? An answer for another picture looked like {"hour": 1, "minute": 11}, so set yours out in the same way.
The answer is {"hour": 1, "minute": 59}
